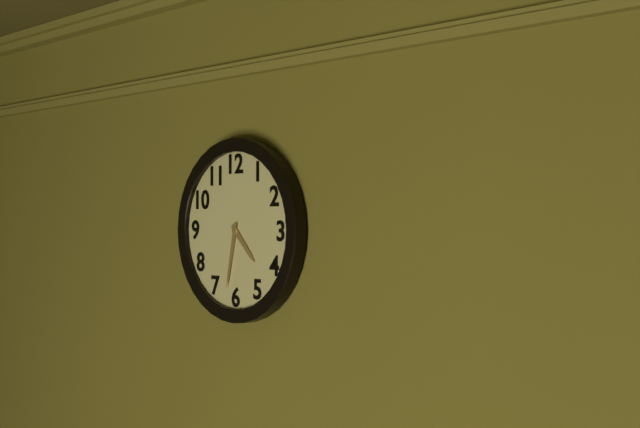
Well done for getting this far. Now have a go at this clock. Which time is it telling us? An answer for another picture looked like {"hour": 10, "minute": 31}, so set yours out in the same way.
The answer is {"hour": 4, "minute": 32}
